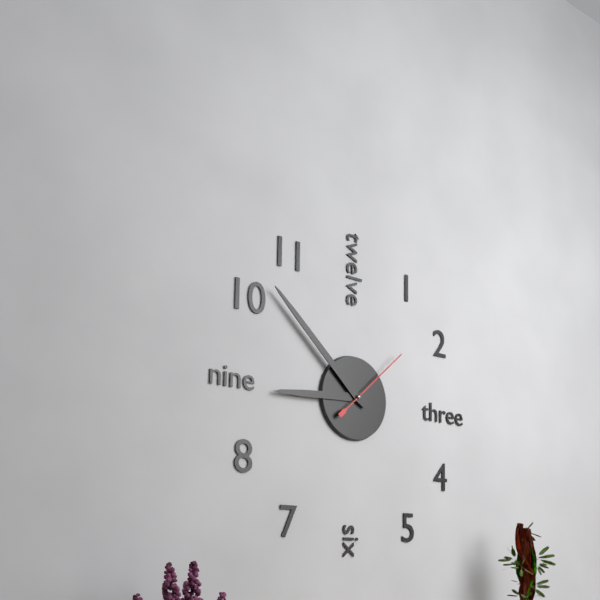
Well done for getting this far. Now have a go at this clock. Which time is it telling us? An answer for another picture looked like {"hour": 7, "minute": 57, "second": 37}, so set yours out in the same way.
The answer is {"hour": 8, "minute": 52, "second": 8}
